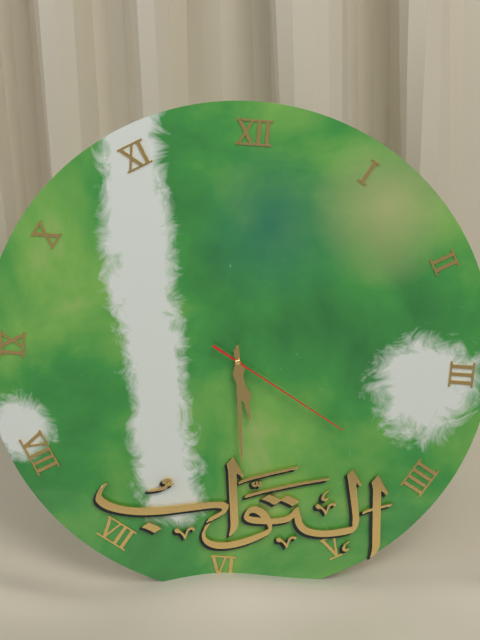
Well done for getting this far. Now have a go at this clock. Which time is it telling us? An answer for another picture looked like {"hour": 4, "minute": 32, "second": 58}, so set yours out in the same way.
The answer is {"hour": 5, "minute": 29, "second": 20}
